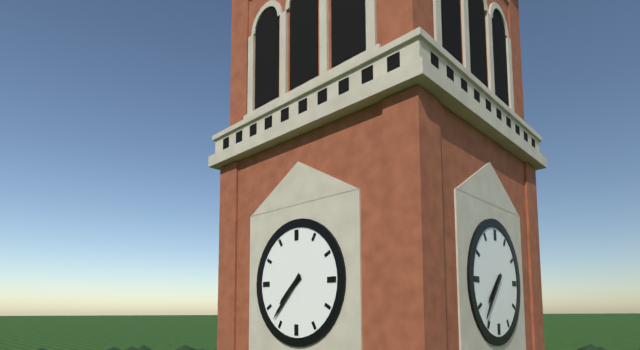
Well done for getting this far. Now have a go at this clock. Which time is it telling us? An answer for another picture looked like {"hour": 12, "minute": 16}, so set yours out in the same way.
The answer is {"hour": 7, "minute": 37}
